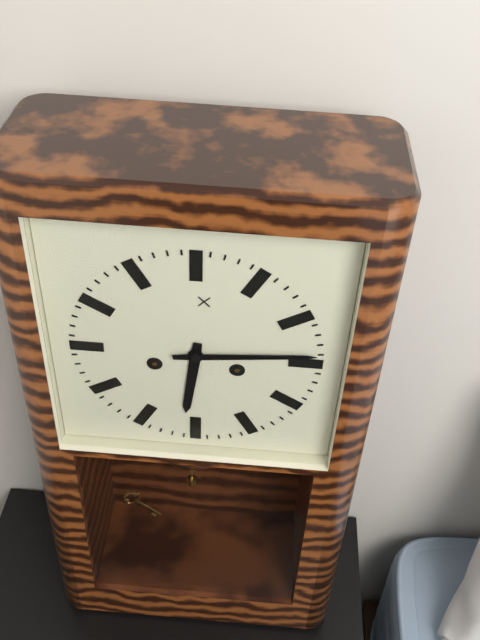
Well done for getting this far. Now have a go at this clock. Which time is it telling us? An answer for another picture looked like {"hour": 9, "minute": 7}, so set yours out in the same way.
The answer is {"hour": 6, "minute": 14}
